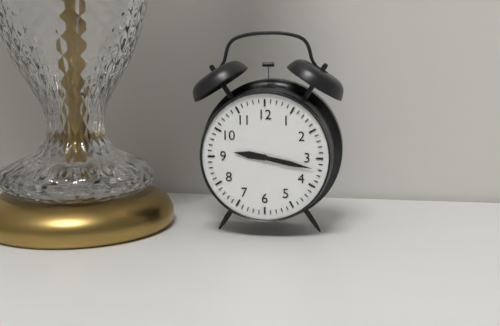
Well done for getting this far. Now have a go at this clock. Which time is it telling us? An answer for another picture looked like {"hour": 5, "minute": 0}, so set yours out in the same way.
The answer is {"hour": 9, "minute": 17}
